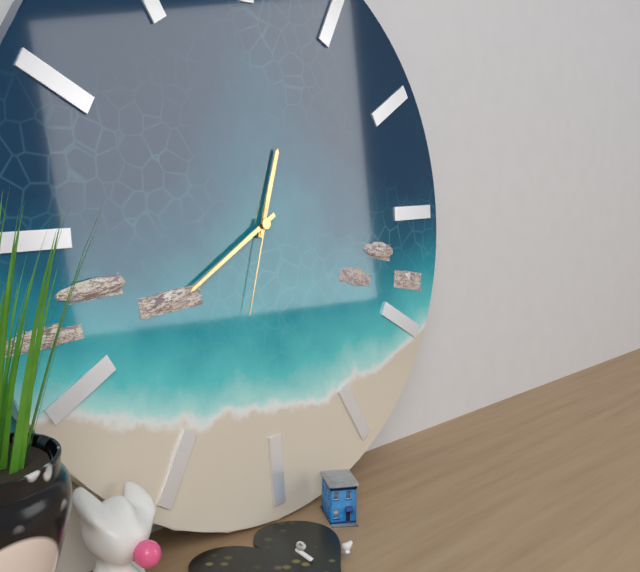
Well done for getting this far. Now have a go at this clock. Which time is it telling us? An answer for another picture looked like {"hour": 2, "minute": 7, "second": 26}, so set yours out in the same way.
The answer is {"hour": 12, "minute": 40, "second": 33}
